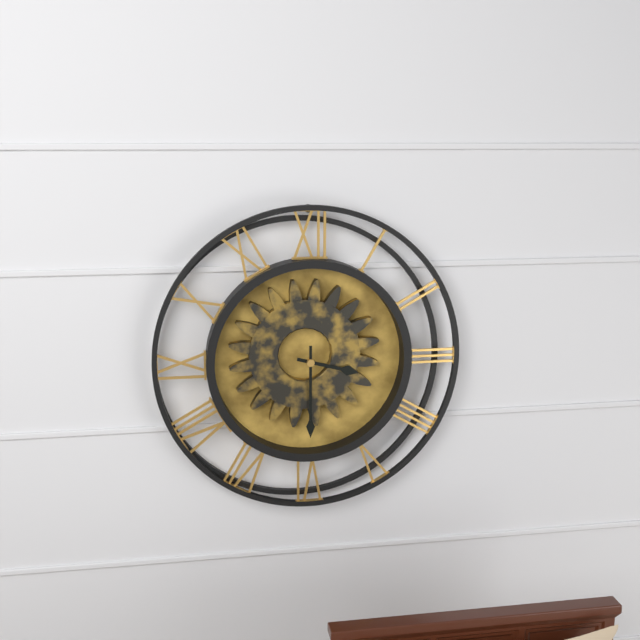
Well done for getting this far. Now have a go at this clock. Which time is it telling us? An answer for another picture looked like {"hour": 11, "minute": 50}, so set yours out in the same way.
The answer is {"hour": 3, "minute": 30}
